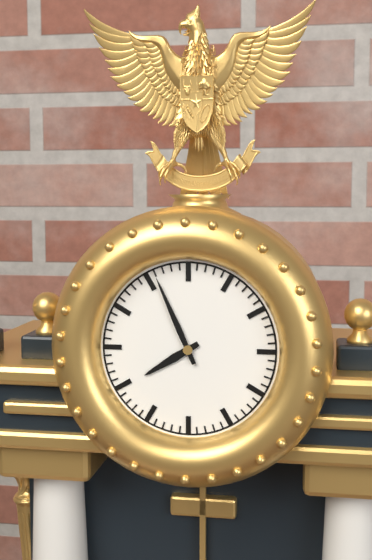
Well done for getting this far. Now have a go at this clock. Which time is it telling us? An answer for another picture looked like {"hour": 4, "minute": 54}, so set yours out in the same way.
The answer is {"hour": 7, "minute": 56}
